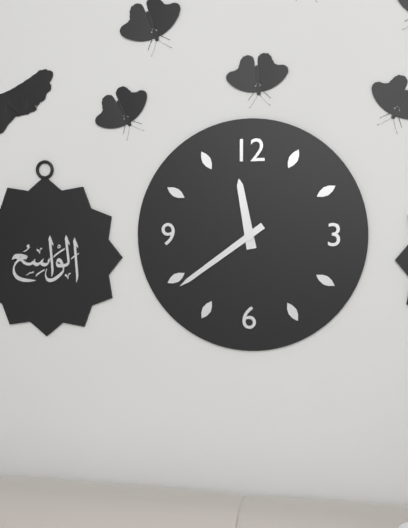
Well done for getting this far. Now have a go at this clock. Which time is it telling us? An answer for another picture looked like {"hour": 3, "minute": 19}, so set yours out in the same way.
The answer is {"hour": 11, "minute": 39}
